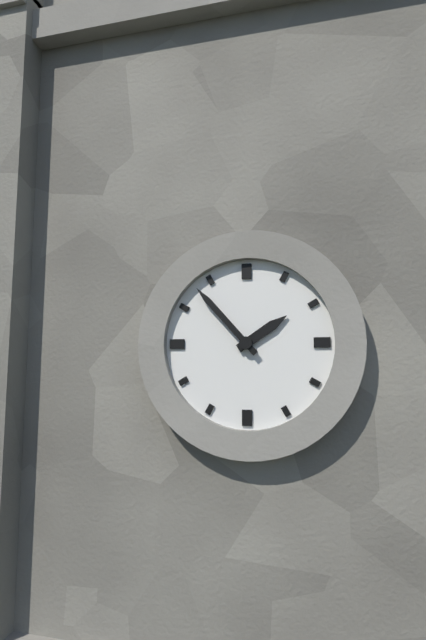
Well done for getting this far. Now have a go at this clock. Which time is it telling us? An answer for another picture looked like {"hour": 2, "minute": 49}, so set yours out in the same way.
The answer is {"hour": 1, "minute": 53}
